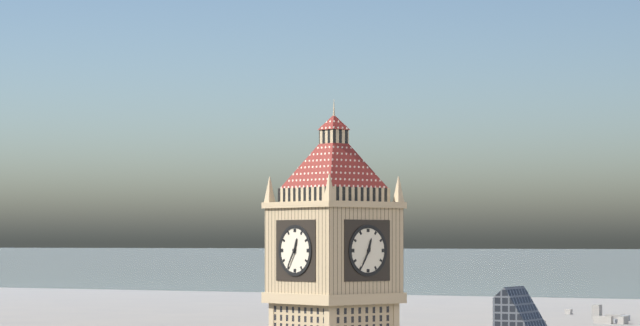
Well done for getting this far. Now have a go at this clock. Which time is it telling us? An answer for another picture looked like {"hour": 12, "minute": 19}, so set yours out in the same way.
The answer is {"hour": 12, "minute": 35}
